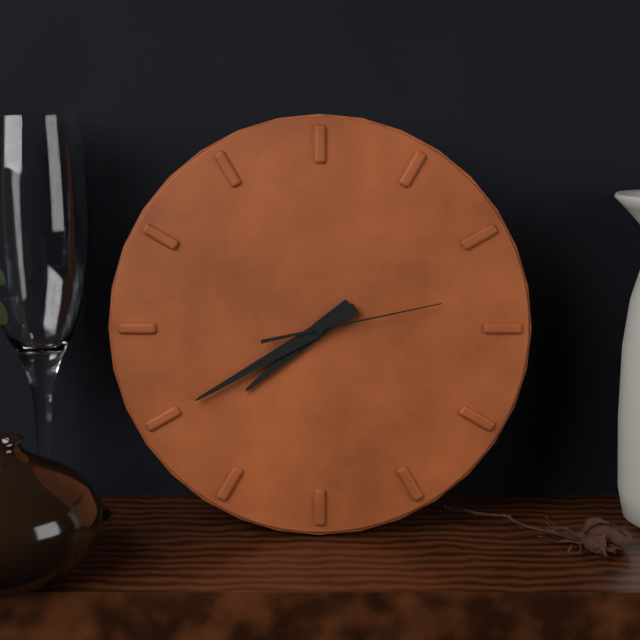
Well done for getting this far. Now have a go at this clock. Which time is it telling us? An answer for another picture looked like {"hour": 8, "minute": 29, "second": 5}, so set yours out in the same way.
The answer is {"hour": 7, "minute": 40, "second": 13}
